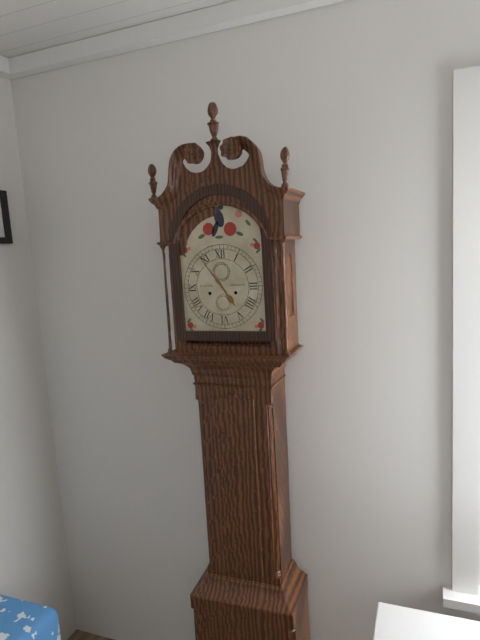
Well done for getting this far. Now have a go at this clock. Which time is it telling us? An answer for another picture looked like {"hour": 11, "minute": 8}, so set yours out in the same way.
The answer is {"hour": 4, "minute": 54}
